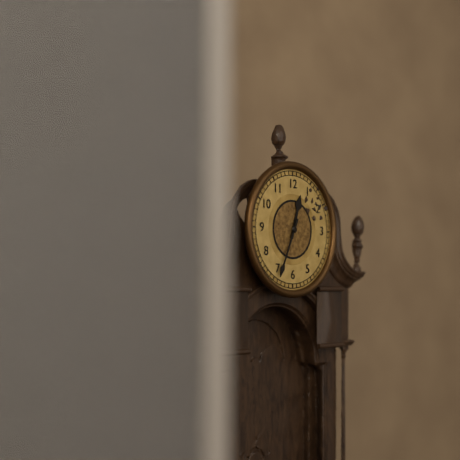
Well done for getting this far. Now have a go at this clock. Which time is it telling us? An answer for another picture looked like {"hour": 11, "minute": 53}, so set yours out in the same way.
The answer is {"hour": 12, "minute": 34}
